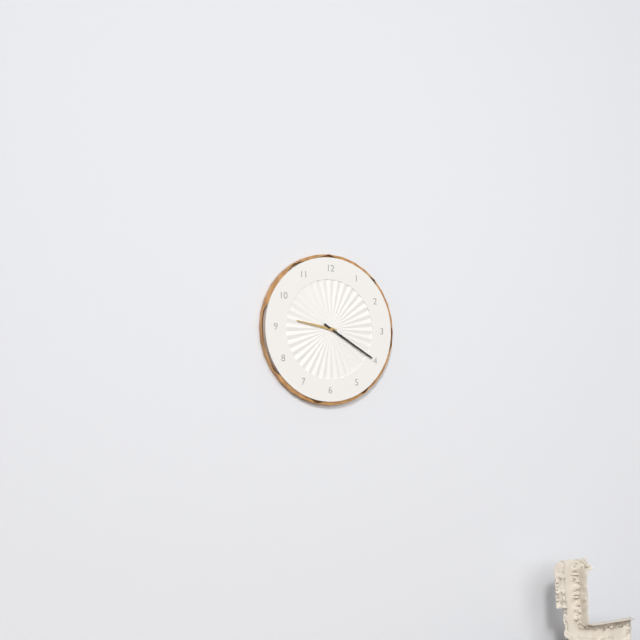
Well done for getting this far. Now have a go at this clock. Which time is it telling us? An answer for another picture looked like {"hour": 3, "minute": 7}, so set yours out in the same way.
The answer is {"hour": 9, "minute": 20}
